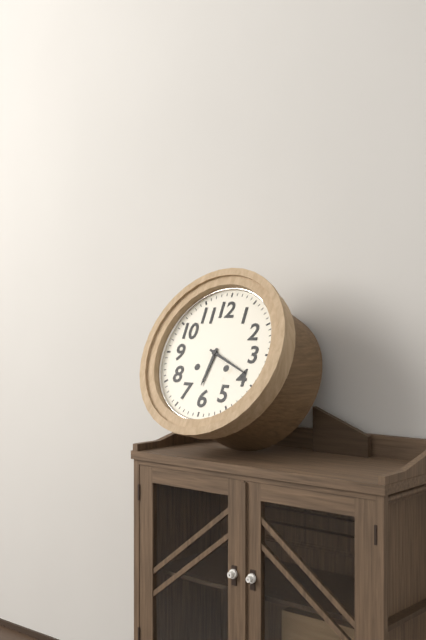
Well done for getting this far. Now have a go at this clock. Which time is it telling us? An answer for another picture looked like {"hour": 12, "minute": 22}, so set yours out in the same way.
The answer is {"hour": 6, "minute": 19}
